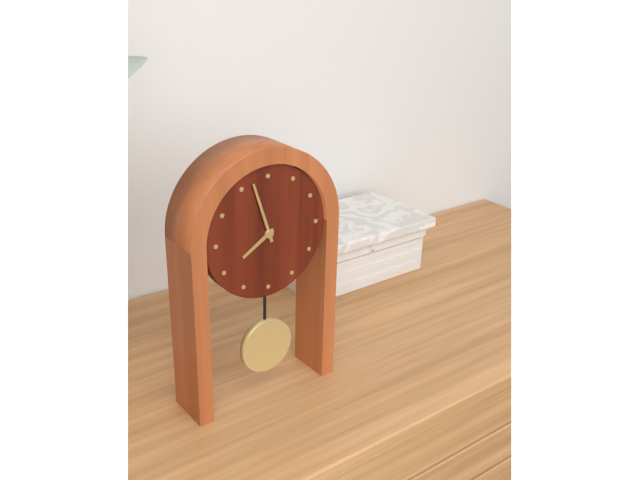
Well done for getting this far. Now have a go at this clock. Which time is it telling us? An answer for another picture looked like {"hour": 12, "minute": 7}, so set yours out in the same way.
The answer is {"hour": 7, "minute": 57}
